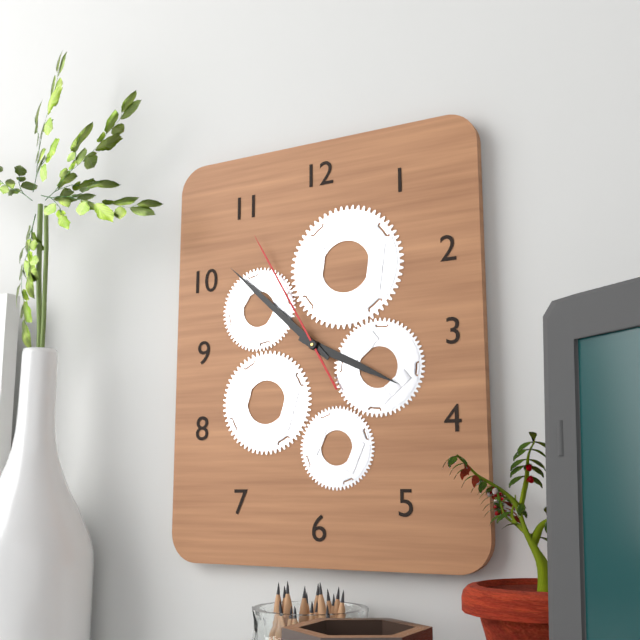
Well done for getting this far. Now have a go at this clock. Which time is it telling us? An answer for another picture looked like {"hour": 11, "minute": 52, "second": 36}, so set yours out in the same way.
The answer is {"hour": 3, "minute": 52, "second": 55}
